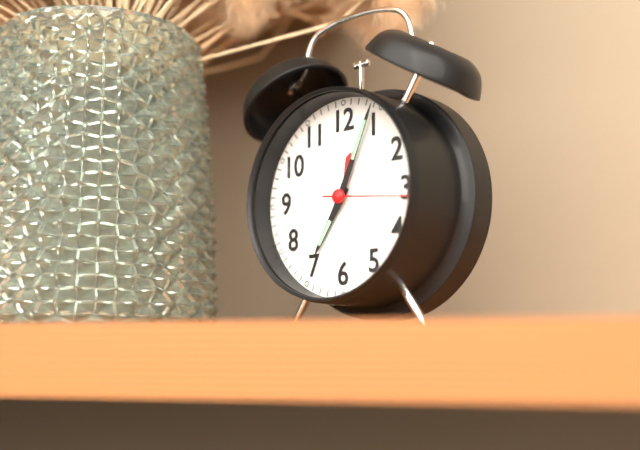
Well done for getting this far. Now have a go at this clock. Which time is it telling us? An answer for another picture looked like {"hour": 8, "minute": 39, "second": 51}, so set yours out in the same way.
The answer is {"hour": 7, "minute": 4, "second": 16}
